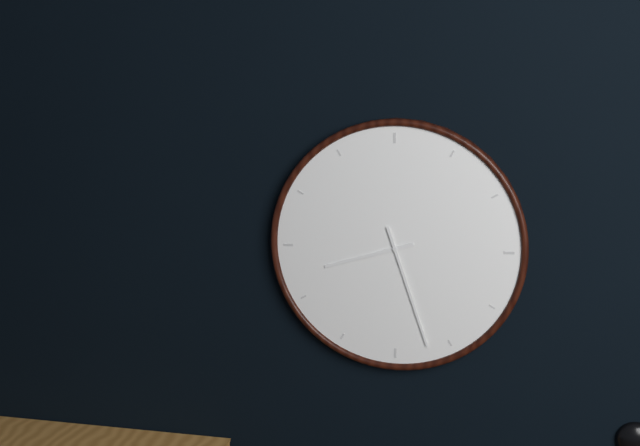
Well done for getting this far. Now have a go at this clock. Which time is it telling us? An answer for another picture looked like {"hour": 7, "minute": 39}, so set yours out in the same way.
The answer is {"hour": 8, "minute": 27}
